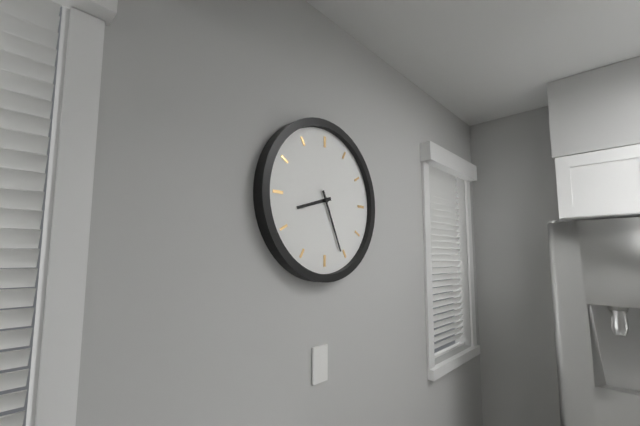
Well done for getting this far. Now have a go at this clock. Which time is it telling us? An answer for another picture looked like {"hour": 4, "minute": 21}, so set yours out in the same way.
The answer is {"hour": 8, "minute": 26}
